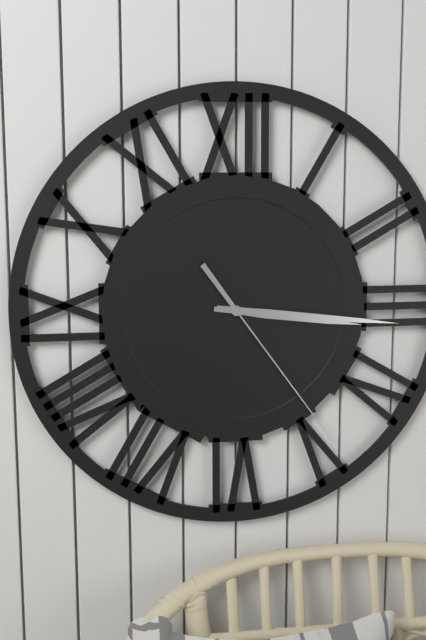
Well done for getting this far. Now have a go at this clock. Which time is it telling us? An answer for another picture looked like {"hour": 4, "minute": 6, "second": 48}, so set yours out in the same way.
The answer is {"hour": 3, "minute": 16, "second": 24}
